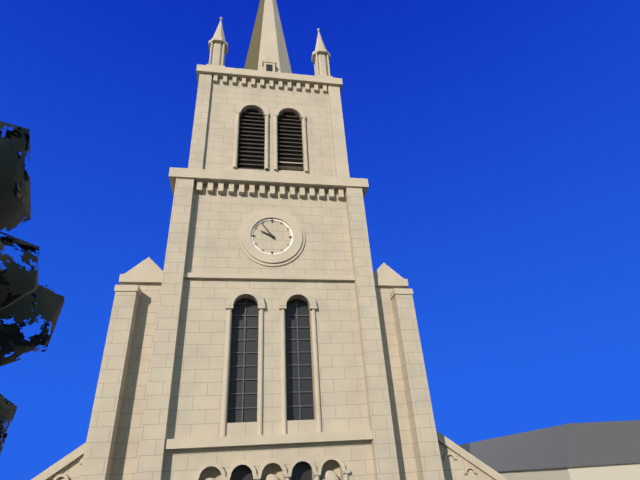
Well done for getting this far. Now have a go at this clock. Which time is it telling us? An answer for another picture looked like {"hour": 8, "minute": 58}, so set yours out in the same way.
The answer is {"hour": 9, "minute": 54}
